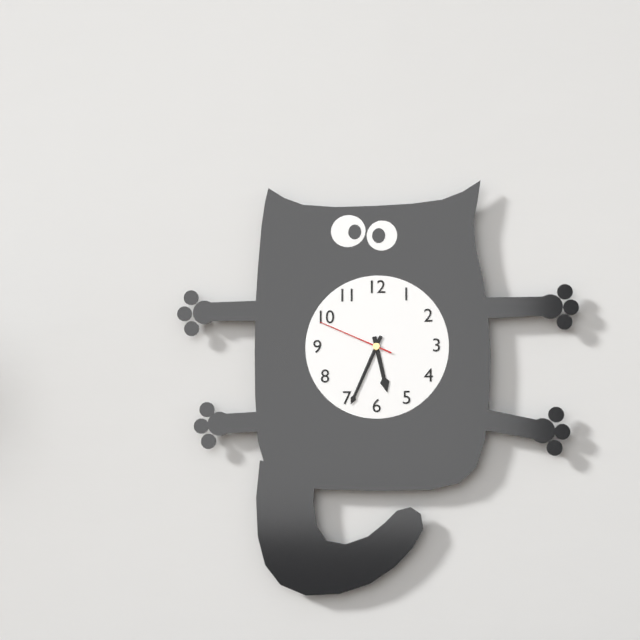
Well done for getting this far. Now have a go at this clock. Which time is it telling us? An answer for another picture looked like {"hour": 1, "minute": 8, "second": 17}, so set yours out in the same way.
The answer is {"hour": 5, "minute": 34, "second": 49}
